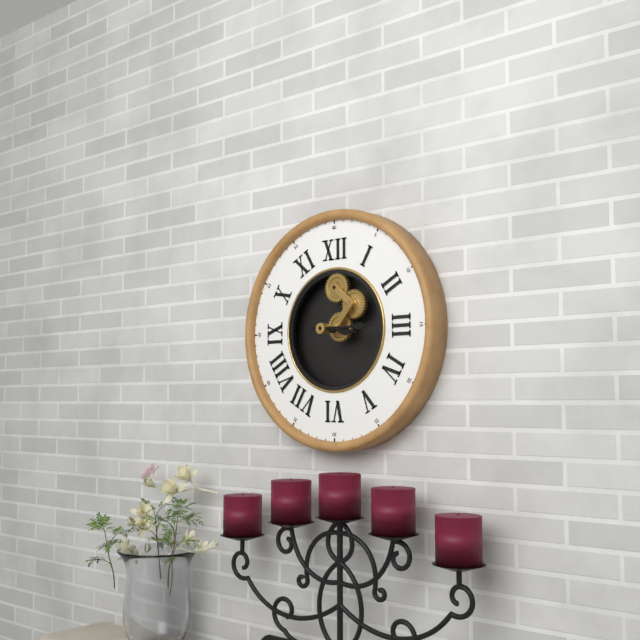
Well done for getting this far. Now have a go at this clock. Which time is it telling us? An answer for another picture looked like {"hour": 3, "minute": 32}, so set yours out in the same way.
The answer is {"hour": 3, "minute": 15}
